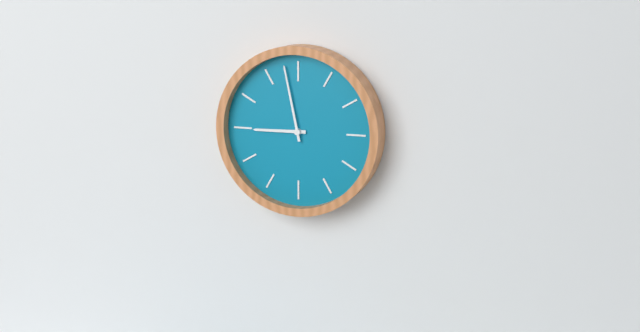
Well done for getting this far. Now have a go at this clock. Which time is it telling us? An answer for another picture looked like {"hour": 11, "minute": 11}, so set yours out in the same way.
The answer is {"hour": 8, "minute": 58}
